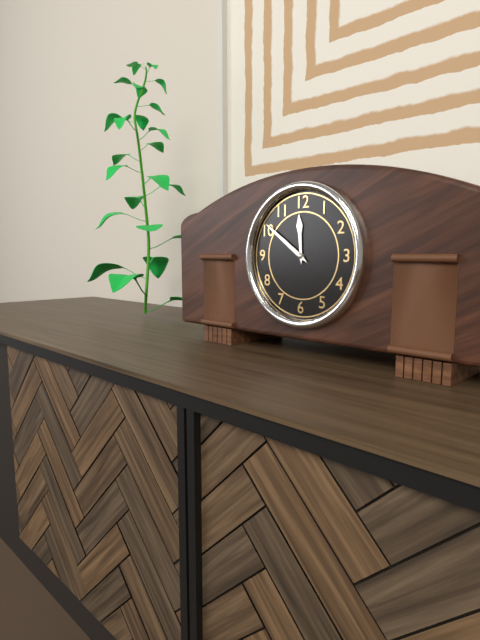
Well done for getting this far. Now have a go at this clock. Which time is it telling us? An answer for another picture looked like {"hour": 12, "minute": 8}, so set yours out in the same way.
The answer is {"hour": 11, "minute": 51}
